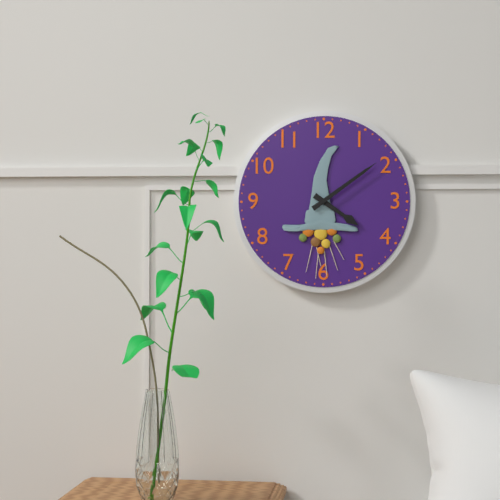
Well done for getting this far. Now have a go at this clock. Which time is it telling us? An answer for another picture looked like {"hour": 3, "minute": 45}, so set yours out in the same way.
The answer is {"hour": 4, "minute": 9}
